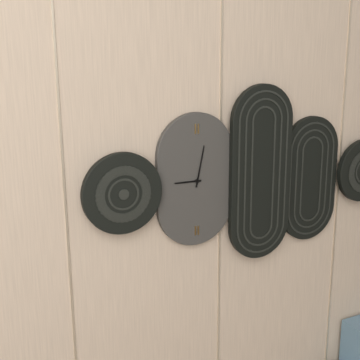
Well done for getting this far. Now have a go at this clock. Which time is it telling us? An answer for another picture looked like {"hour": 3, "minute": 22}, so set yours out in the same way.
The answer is {"hour": 9, "minute": 2}
